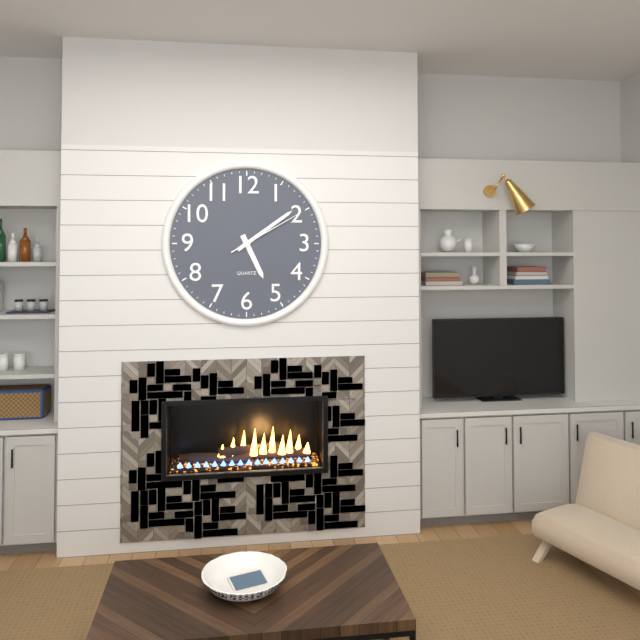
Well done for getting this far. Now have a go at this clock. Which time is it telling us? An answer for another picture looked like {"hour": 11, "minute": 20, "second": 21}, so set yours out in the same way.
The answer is {"hour": 5, "minute": 9, "second": 10}
